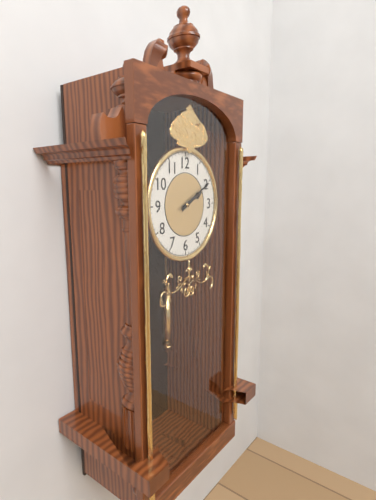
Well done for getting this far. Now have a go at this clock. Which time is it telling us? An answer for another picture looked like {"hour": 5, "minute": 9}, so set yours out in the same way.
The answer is {"hour": 2, "minute": 10}
